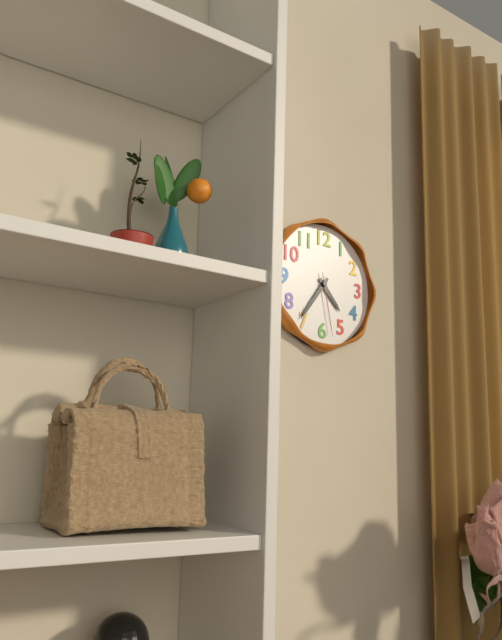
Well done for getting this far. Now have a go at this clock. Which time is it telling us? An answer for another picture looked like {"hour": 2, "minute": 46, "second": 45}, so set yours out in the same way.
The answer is {"hour": 4, "minute": 36, "second": 28}
